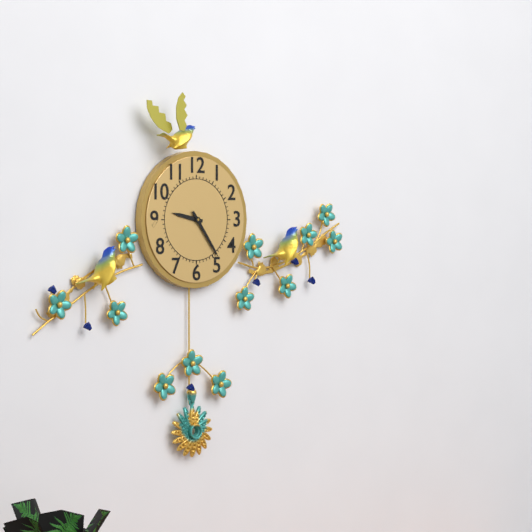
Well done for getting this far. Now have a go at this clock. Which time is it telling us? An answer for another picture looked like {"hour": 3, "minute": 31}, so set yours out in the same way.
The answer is {"hour": 9, "minute": 24}
